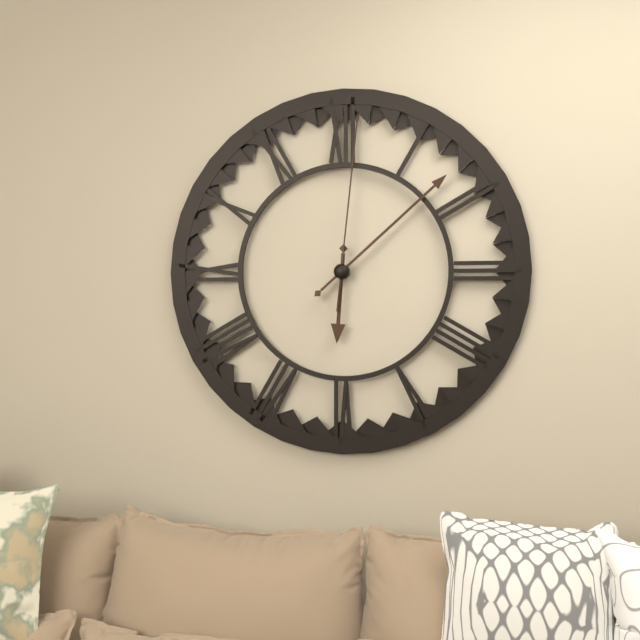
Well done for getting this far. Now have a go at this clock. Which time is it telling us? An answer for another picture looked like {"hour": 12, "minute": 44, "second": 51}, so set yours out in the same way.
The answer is {"hour": 6, "minute": 8, "second": 1}
